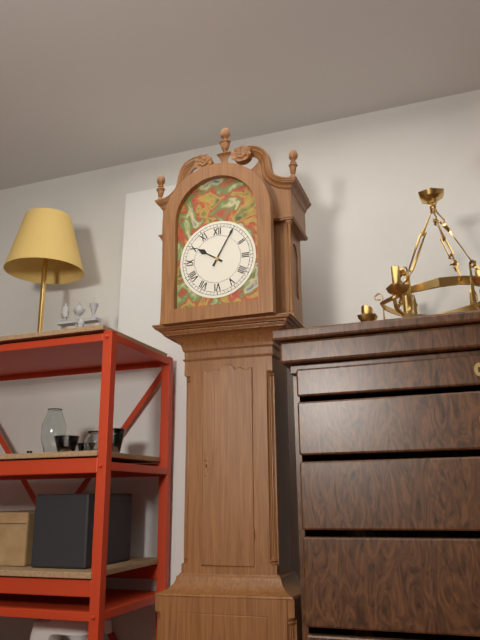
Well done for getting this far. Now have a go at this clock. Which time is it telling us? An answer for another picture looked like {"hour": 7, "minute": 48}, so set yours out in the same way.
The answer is {"hour": 10, "minute": 5}
